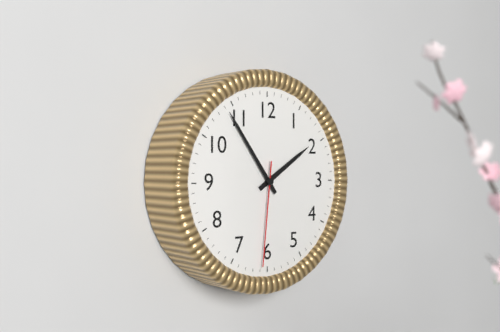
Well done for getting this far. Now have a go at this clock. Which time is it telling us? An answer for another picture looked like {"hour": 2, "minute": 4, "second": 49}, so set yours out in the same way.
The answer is {"hour": 1, "minute": 54, "second": 31}
